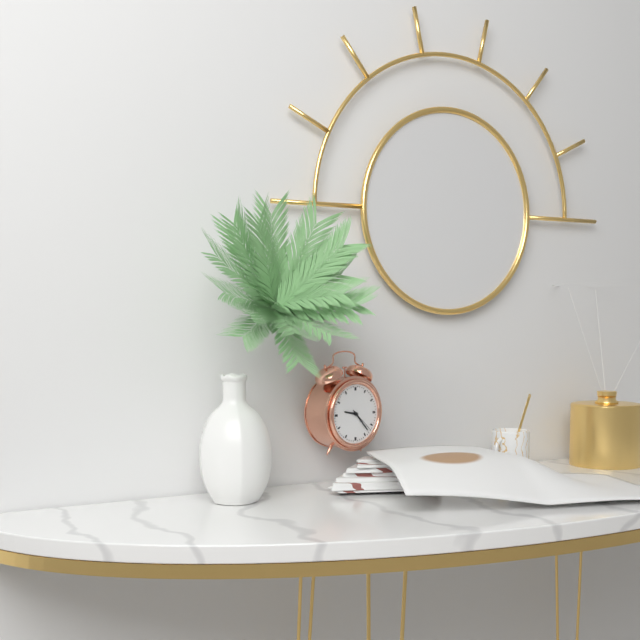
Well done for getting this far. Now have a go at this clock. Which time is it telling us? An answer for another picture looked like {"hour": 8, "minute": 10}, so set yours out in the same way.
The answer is {"hour": 9, "minute": 23}
